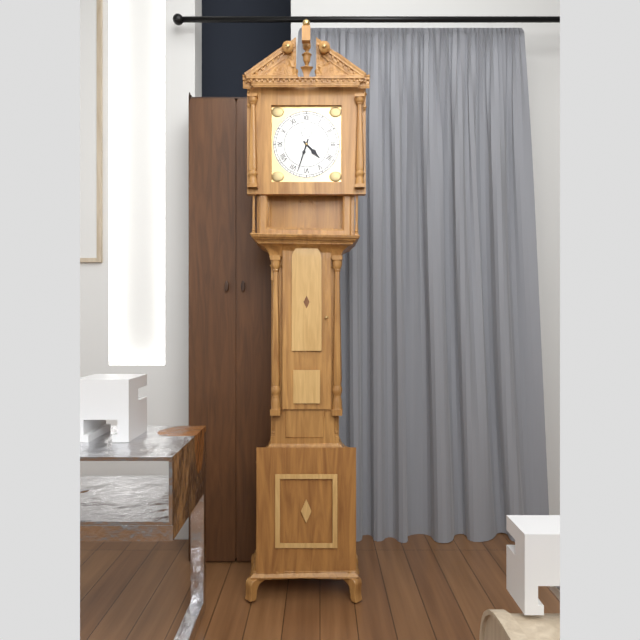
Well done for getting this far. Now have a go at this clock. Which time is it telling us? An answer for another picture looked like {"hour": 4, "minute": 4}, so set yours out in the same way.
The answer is {"hour": 4, "minute": 33}
